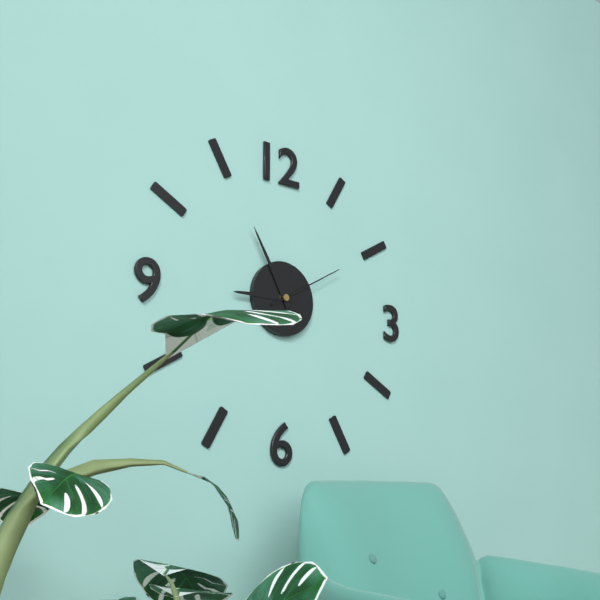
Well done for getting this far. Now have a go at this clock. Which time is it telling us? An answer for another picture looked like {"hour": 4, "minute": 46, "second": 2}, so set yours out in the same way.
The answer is {"hour": 8, "minute": 55, "second": 10}
